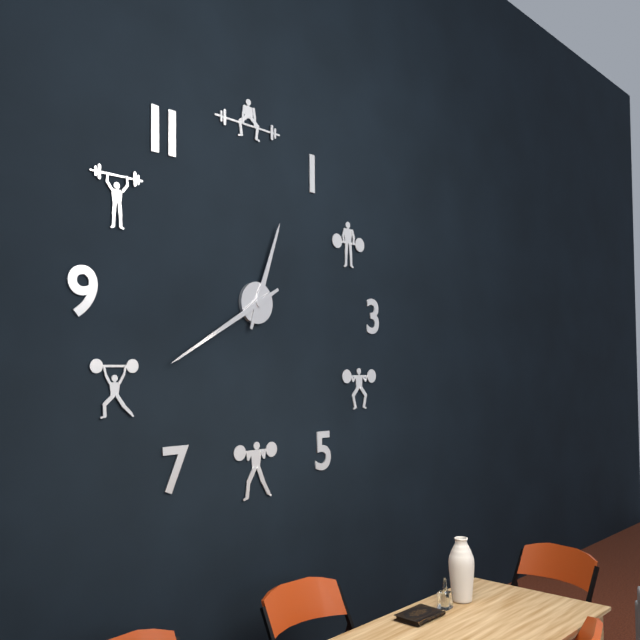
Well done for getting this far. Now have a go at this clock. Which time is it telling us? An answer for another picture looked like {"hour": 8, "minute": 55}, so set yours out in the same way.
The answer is {"hour": 12, "minute": 40}
